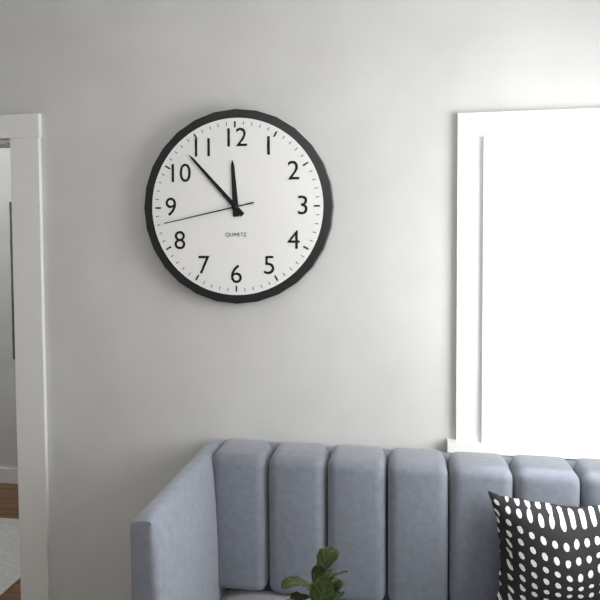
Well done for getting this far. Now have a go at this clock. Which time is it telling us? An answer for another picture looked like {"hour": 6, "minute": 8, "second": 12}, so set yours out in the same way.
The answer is {"hour": 11, "minute": 53, "second": 43}
